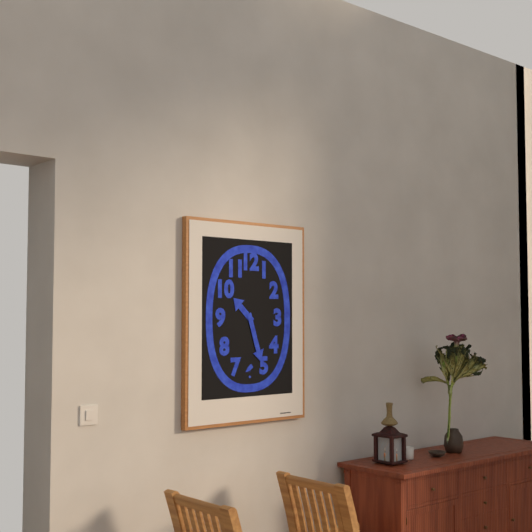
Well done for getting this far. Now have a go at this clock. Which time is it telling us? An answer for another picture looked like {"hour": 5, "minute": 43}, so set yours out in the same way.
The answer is {"hour": 10, "minute": 27}
